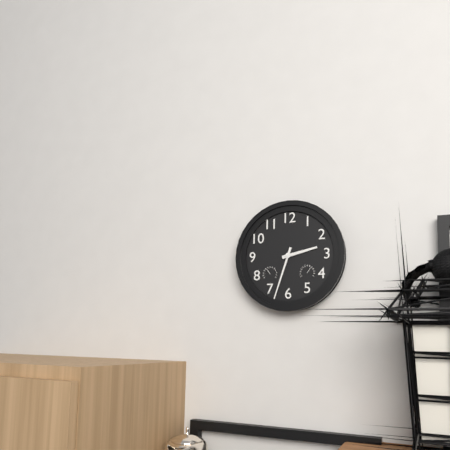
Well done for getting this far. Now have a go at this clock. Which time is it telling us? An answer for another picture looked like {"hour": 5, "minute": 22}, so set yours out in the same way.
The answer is {"hour": 2, "minute": 33}
